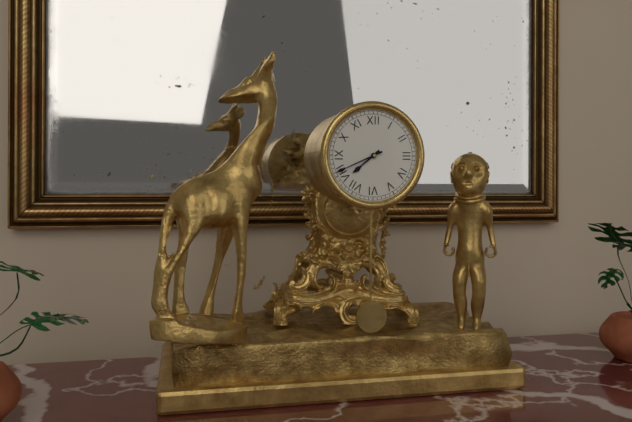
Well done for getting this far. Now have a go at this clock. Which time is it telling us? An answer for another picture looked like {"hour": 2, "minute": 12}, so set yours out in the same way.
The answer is {"hour": 7, "minute": 41}
